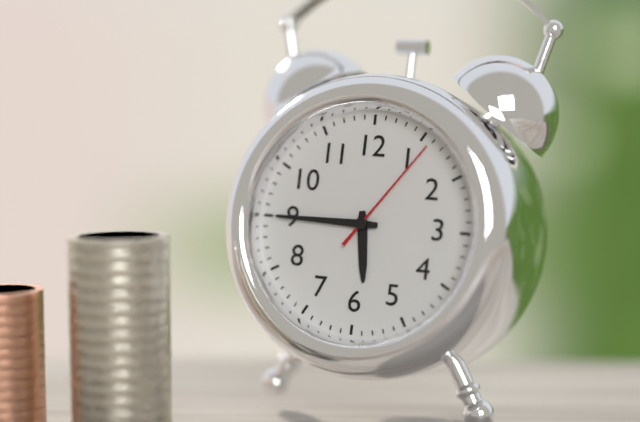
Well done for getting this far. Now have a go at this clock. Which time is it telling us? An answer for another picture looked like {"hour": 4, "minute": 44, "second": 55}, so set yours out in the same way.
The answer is {"hour": 5, "minute": 45, "second": 6}
